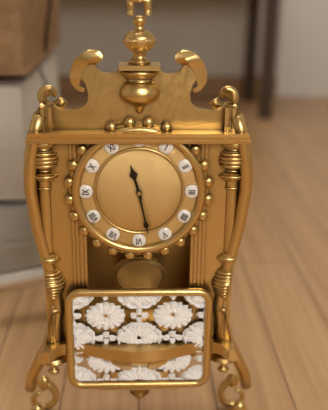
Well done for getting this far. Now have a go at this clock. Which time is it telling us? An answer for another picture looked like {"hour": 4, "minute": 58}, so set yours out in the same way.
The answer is {"hour": 11, "minute": 28}
